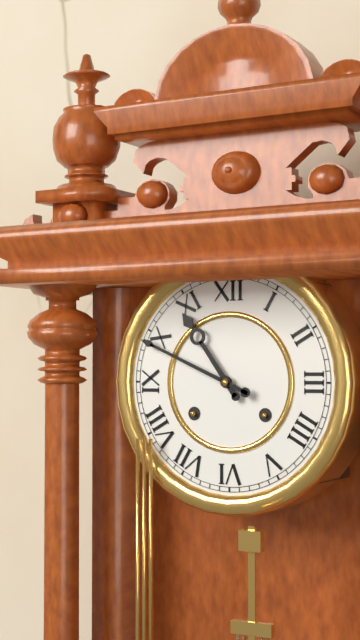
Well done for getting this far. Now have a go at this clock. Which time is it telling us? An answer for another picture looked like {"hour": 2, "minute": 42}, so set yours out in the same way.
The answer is {"hour": 10, "minute": 49}
